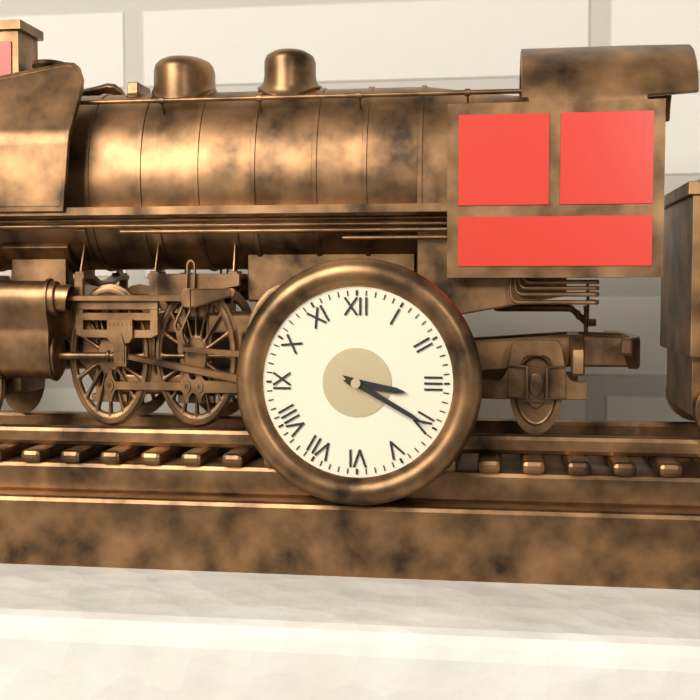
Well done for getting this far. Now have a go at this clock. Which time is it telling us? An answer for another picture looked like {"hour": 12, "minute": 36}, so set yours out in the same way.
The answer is {"hour": 3, "minute": 20}
